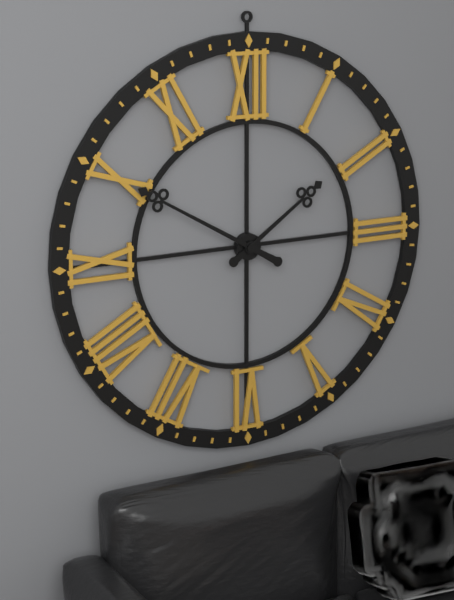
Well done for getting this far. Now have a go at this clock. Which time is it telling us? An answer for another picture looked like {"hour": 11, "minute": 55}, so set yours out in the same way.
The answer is {"hour": 1, "minute": 50}
